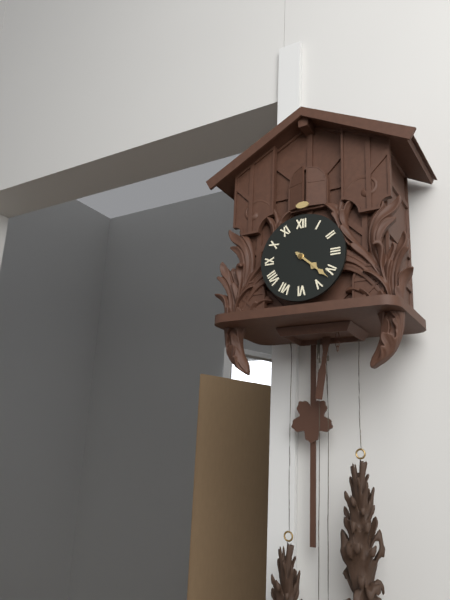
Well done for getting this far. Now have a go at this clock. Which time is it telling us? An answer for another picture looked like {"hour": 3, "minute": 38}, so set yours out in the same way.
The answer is {"hour": 4, "minute": 22}
